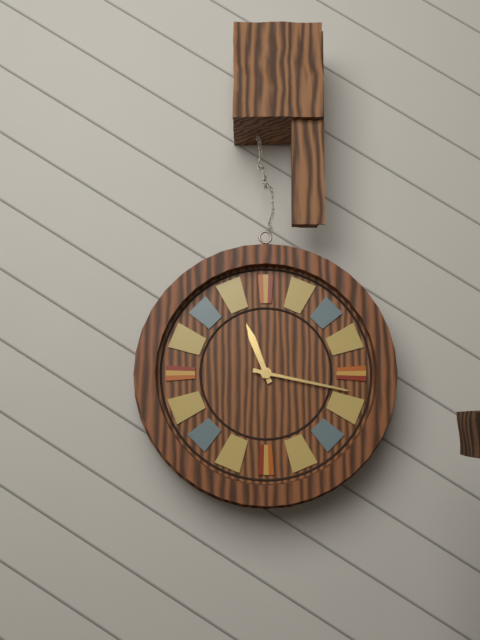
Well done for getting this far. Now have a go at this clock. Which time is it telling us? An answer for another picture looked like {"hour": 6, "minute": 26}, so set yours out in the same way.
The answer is {"hour": 11, "minute": 17}
